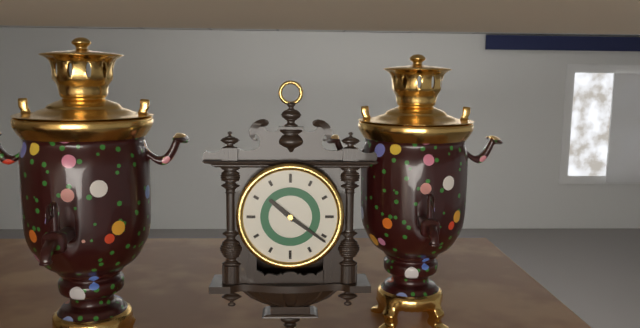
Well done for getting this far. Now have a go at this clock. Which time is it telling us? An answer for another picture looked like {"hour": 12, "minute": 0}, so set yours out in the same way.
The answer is {"hour": 10, "minute": 21}
